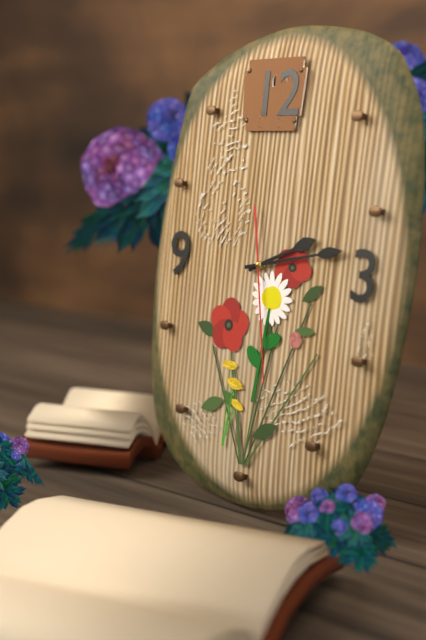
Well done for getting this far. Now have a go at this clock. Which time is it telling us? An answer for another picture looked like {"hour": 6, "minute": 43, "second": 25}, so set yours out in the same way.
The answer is {"hour": 2, "minute": 13, "second": 28}
